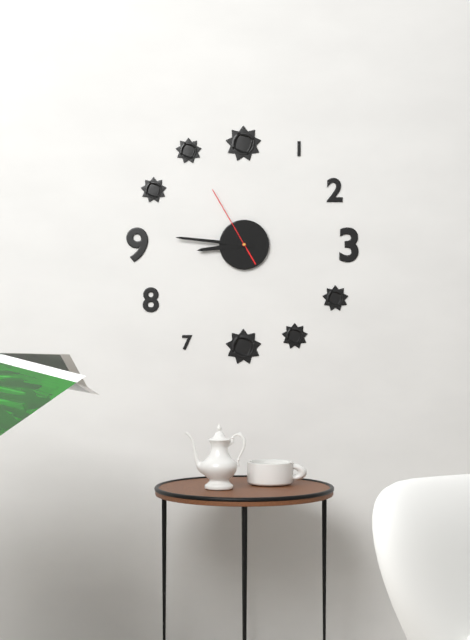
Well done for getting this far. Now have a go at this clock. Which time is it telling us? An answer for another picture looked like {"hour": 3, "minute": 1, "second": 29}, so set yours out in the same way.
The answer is {"hour": 8, "minute": 46, "second": 55}
